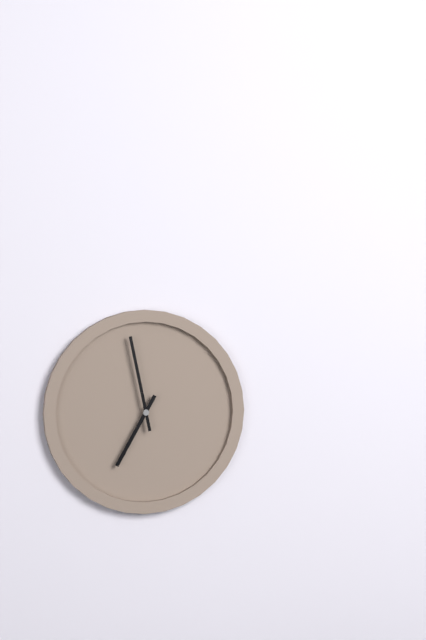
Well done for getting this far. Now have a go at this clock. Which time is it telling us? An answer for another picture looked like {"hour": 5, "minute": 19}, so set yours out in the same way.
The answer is {"hour": 6, "minute": 58}
